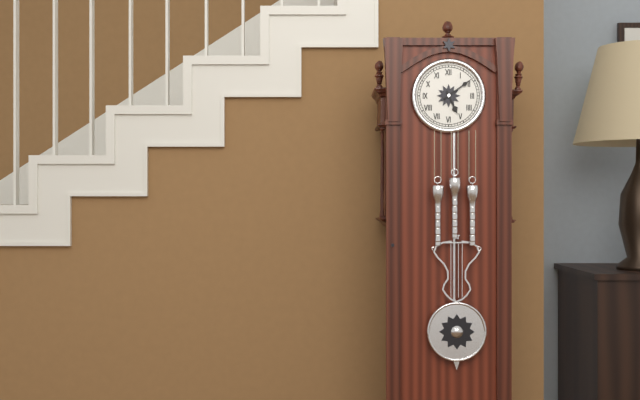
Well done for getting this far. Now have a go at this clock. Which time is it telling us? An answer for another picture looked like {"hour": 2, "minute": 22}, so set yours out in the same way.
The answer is {"hour": 5, "minute": 9}
